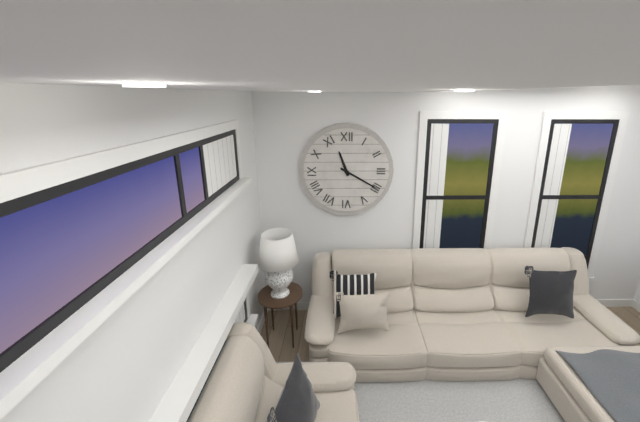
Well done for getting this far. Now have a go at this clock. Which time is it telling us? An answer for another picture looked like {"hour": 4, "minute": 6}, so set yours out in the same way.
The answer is {"hour": 11, "minute": 20}
